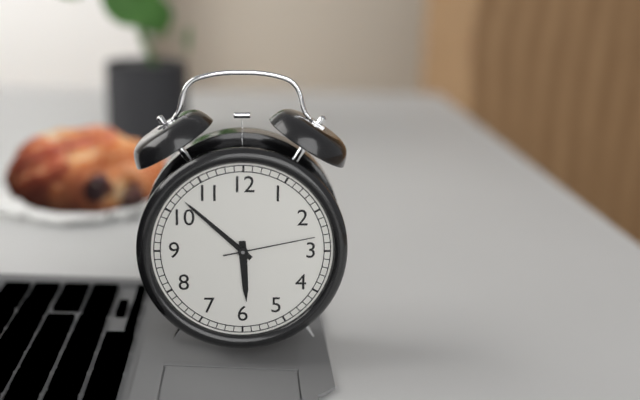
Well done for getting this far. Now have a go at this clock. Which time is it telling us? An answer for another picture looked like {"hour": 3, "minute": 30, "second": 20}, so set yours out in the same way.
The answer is {"hour": 5, "minute": 52, "second": 13}
